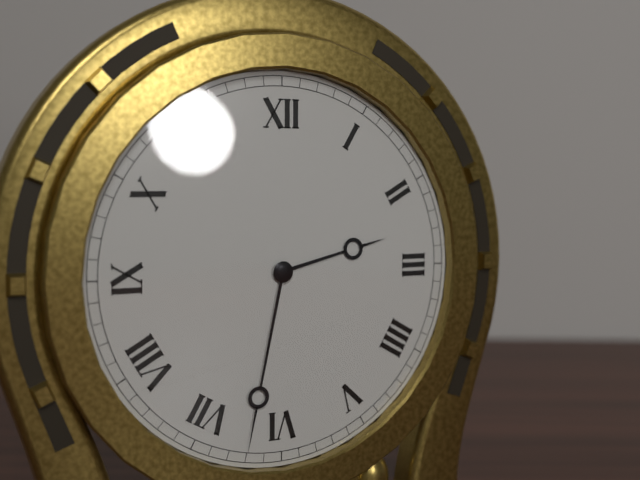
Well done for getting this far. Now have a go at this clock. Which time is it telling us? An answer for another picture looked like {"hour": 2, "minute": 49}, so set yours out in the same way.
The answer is {"hour": 2, "minute": 32}
